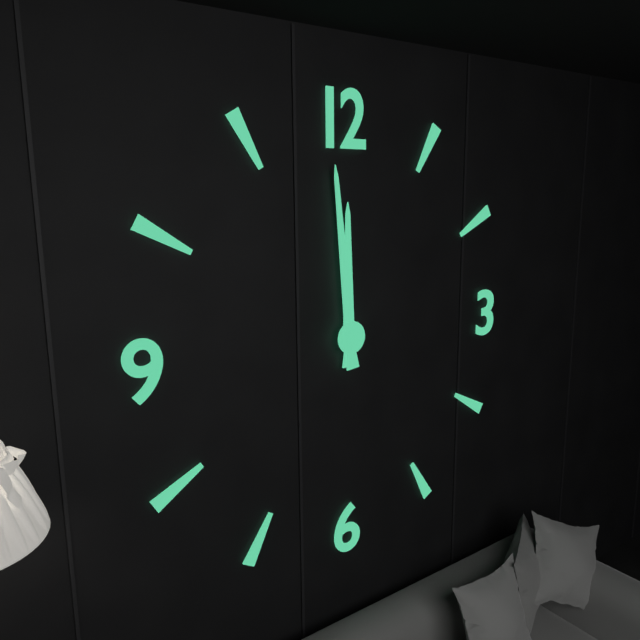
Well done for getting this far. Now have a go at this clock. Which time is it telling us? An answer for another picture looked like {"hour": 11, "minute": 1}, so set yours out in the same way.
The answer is {"hour": 11, "minute": 59}
